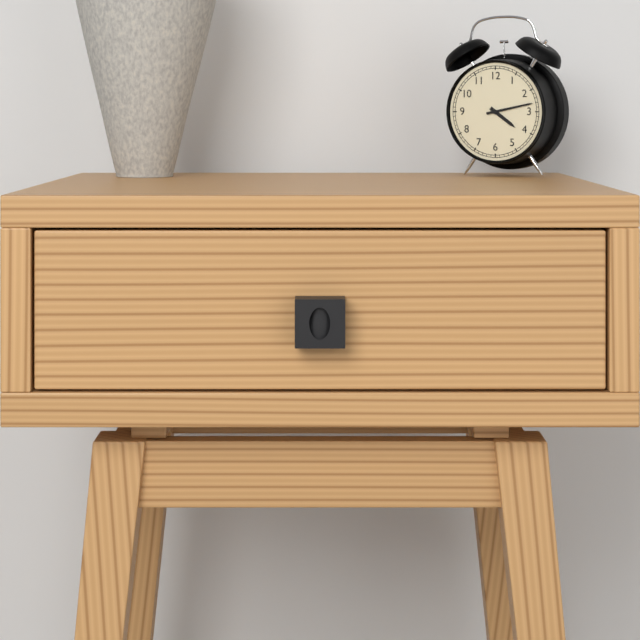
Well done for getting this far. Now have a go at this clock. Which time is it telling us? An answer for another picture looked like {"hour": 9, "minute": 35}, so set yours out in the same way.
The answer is {"hour": 4, "minute": 13}
